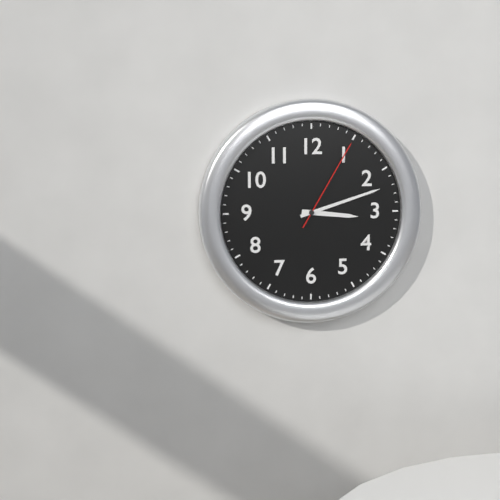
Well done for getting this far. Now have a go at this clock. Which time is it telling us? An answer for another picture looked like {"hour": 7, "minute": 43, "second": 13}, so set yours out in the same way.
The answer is {"hour": 3, "minute": 12, "second": 5}
